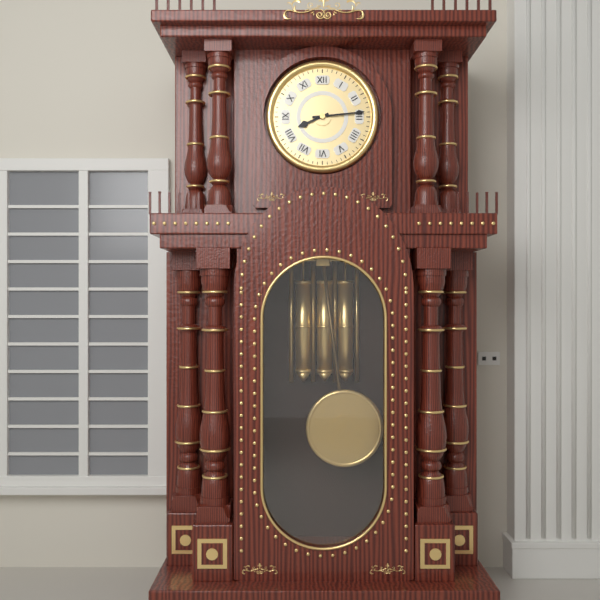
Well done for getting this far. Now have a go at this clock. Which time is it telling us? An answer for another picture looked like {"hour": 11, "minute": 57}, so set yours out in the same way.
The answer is {"hour": 8, "minute": 14}
